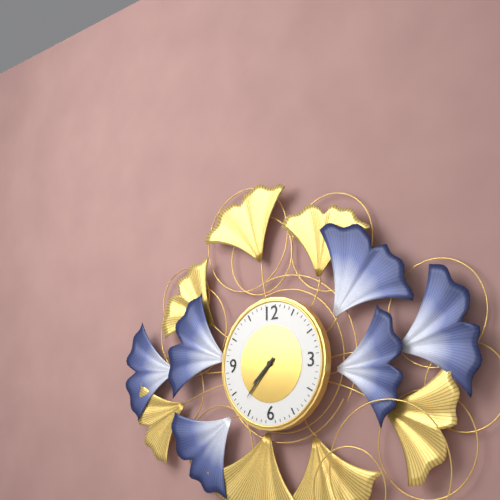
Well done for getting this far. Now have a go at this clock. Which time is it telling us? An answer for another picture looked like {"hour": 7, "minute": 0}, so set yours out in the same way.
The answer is {"hour": 7, "minute": 37}
